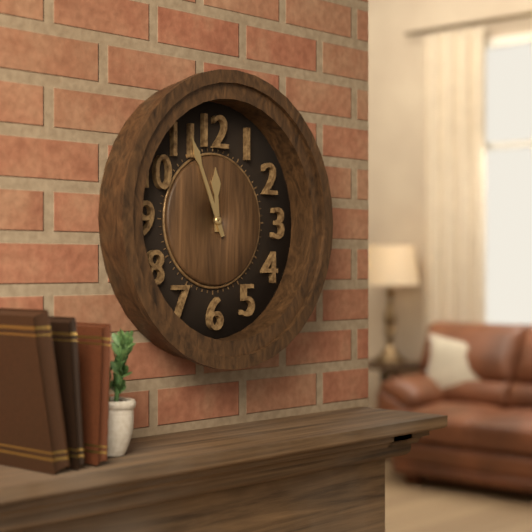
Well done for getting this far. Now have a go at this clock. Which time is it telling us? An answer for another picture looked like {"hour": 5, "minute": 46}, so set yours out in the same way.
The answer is {"hour": 11, "minute": 56}
